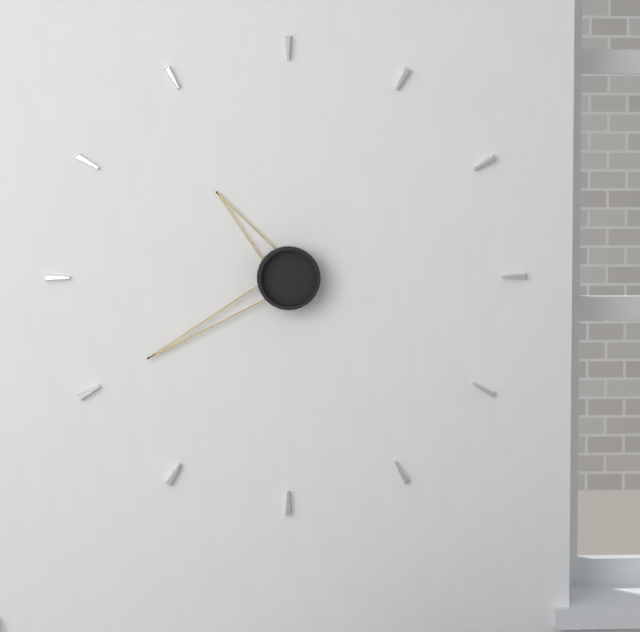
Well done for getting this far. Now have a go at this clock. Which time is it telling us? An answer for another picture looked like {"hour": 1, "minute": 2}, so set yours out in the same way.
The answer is {"hour": 10, "minute": 40}
